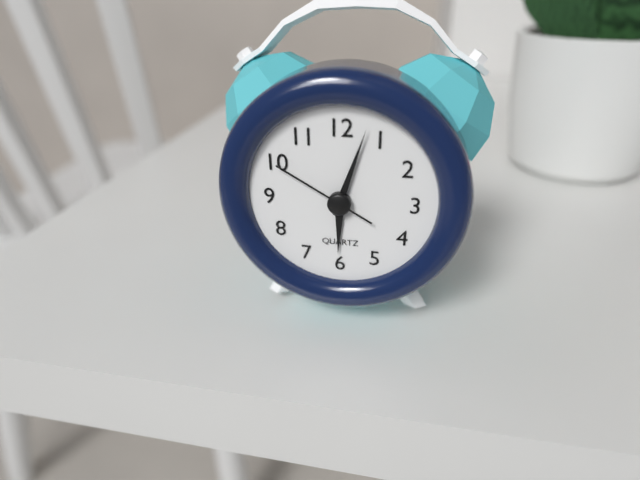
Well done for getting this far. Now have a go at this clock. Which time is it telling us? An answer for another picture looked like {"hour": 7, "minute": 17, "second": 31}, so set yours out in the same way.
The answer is {"hour": 6, "minute": 3, "second": 50}
